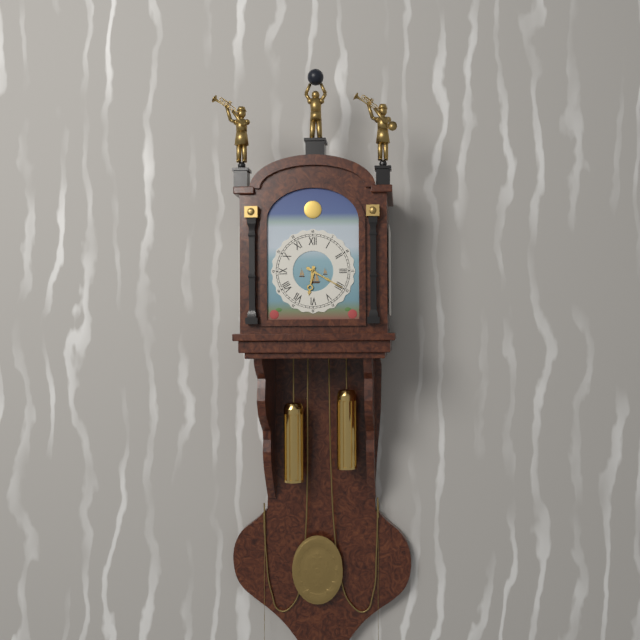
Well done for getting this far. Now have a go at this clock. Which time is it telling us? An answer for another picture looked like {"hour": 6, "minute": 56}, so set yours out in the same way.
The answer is {"hour": 6, "minute": 20}
